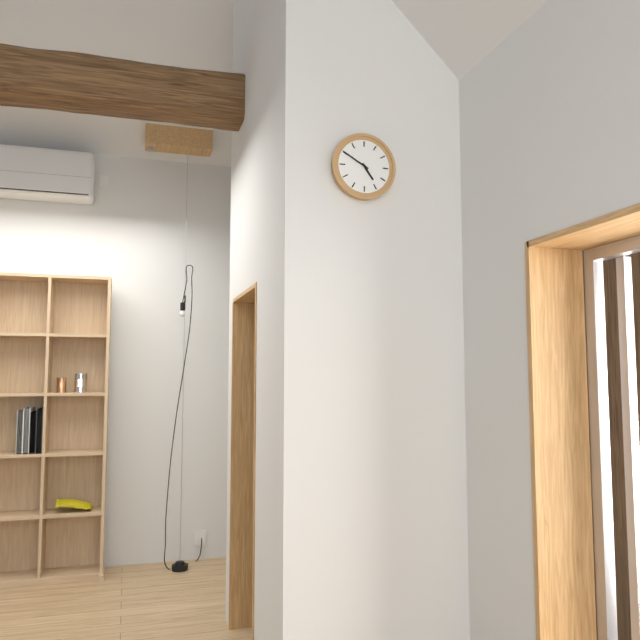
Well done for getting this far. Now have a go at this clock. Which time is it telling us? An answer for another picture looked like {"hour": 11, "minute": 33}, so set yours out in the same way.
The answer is {"hour": 4, "minute": 50}
